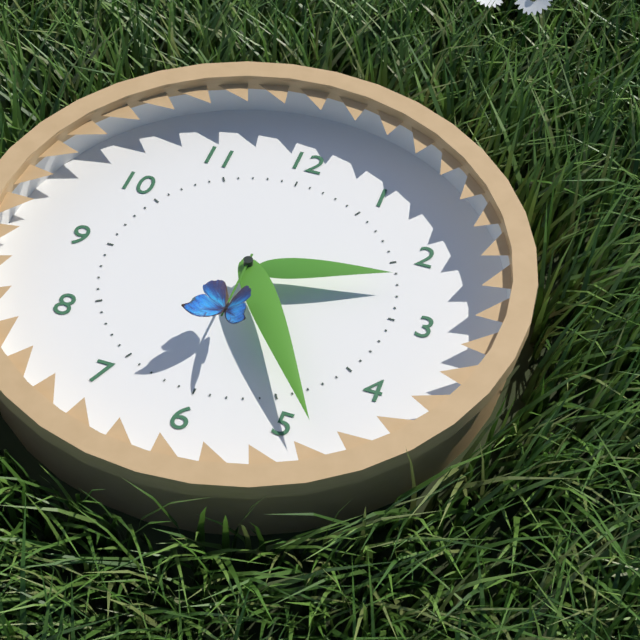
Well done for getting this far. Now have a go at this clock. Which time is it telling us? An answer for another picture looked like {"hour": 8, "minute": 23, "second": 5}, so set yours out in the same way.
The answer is {"hour": 2, "minute": 24, "second": 30}
